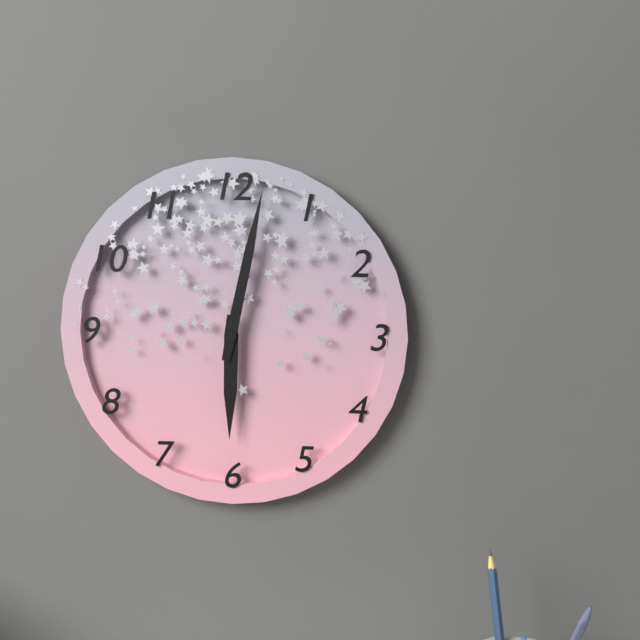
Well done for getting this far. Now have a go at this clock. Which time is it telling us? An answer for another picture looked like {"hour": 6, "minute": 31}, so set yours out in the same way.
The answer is {"hour": 6, "minute": 2}
